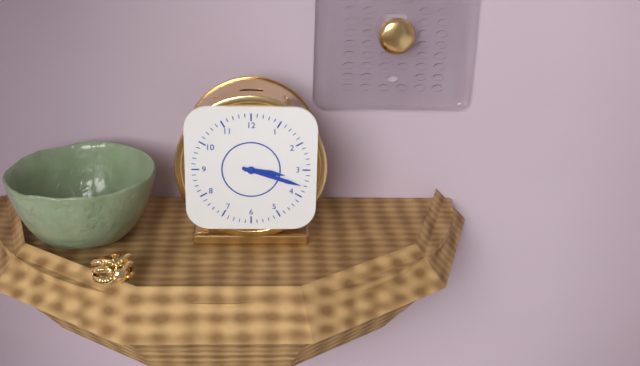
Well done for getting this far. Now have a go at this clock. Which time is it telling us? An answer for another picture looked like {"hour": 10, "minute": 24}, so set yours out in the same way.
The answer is {"hour": 3, "minute": 18}
